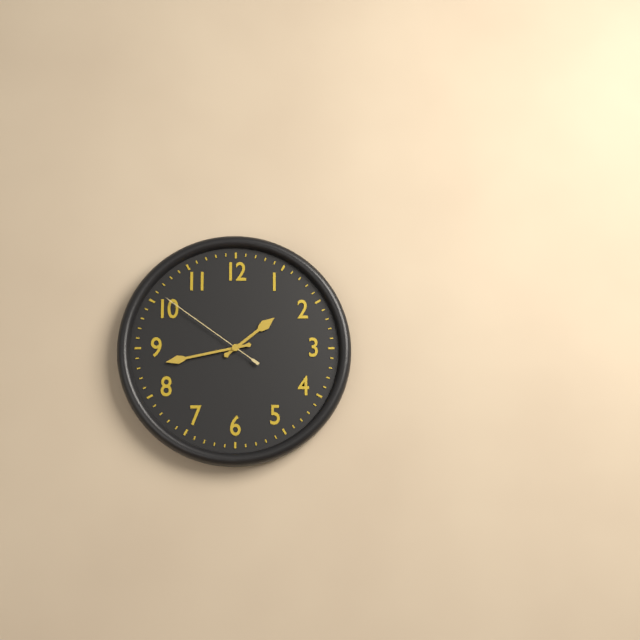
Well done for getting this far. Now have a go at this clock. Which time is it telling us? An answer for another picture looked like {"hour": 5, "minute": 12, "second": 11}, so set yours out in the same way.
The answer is {"hour": 1, "minute": 43, "second": 51}
